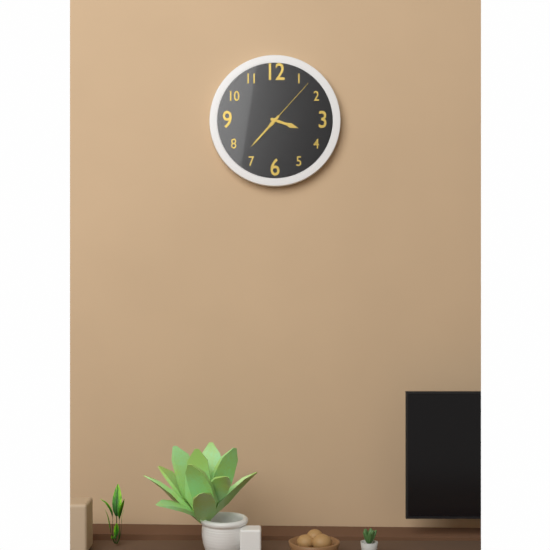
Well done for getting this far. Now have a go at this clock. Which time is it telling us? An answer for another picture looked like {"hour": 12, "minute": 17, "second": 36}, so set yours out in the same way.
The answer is {"hour": 3, "minute": 37, "second": 7}
